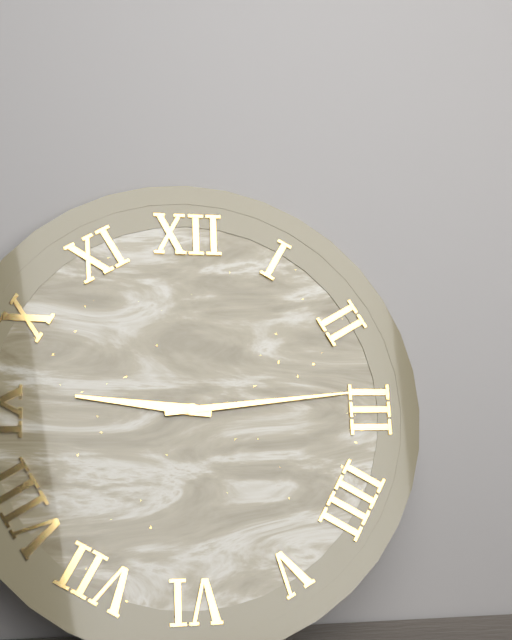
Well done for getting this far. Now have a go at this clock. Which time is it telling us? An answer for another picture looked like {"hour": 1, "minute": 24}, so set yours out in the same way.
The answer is {"hour": 9, "minute": 14}
